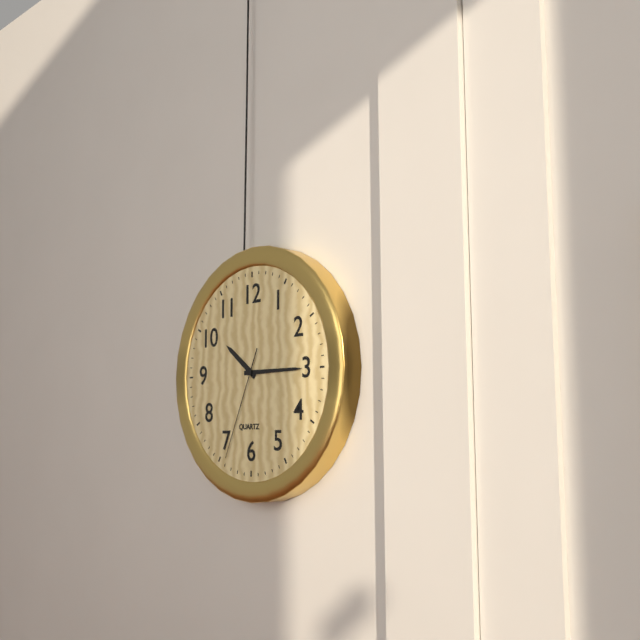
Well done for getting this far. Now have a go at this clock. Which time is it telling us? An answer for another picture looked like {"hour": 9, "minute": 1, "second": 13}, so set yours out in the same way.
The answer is {"hour": 10, "minute": 15, "second": 34}
